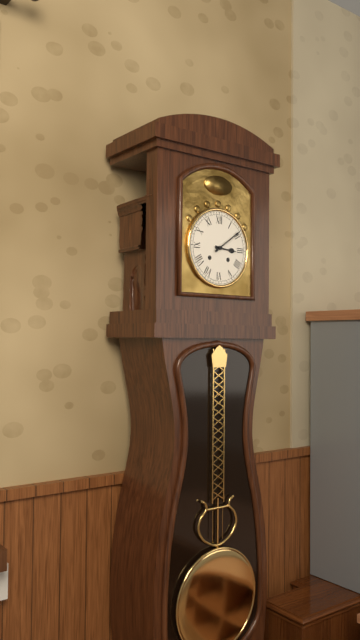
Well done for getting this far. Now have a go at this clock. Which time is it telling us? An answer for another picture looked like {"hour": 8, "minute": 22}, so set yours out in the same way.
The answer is {"hour": 3, "minute": 9}
